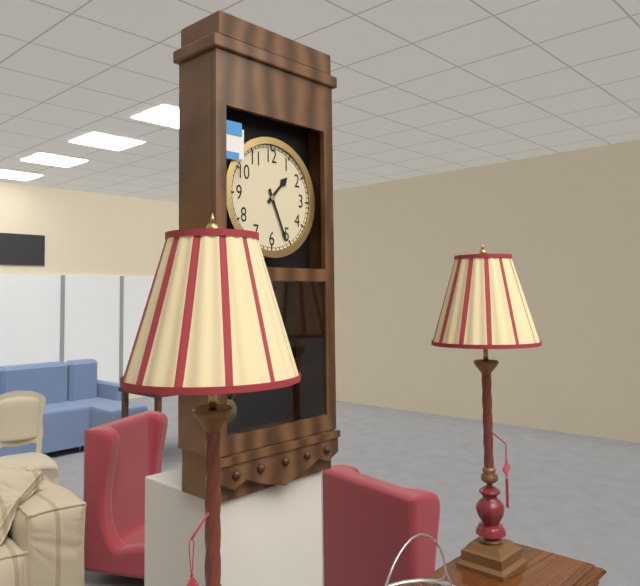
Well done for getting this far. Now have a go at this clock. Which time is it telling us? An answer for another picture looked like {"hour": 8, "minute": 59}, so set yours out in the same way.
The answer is {"hour": 1, "minute": 26}
